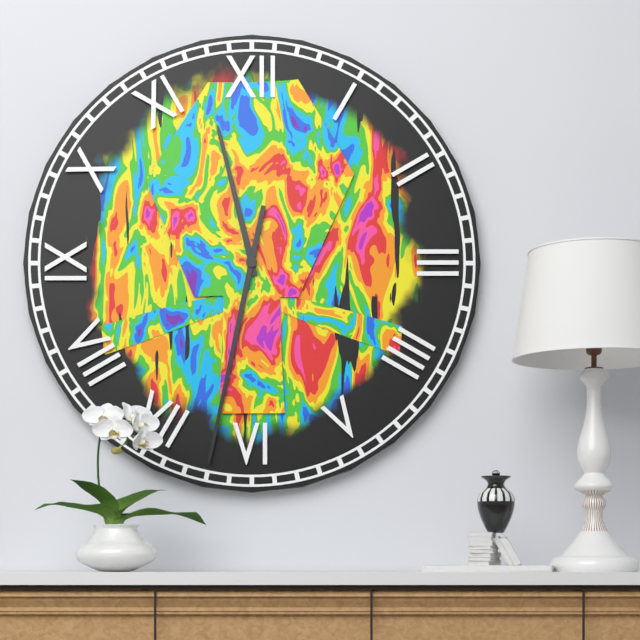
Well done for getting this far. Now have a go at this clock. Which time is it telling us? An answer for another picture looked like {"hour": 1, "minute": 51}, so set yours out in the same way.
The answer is {"hour": 11, "minute": 32}
